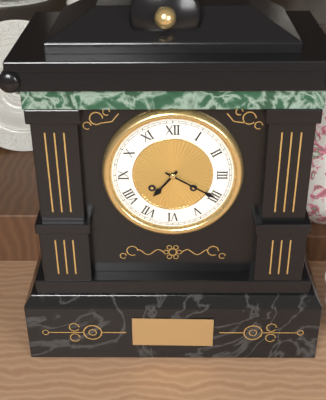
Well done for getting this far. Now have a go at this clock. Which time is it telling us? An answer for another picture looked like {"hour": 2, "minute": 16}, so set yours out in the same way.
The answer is {"hour": 7, "minute": 20}
